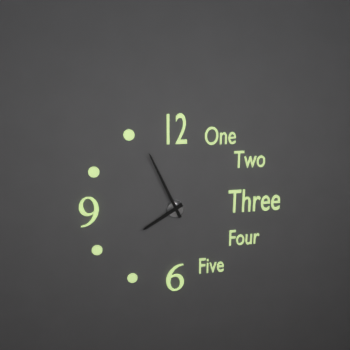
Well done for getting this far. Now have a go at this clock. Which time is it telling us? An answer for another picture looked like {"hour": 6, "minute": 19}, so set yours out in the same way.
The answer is {"hour": 7, "minute": 56}
